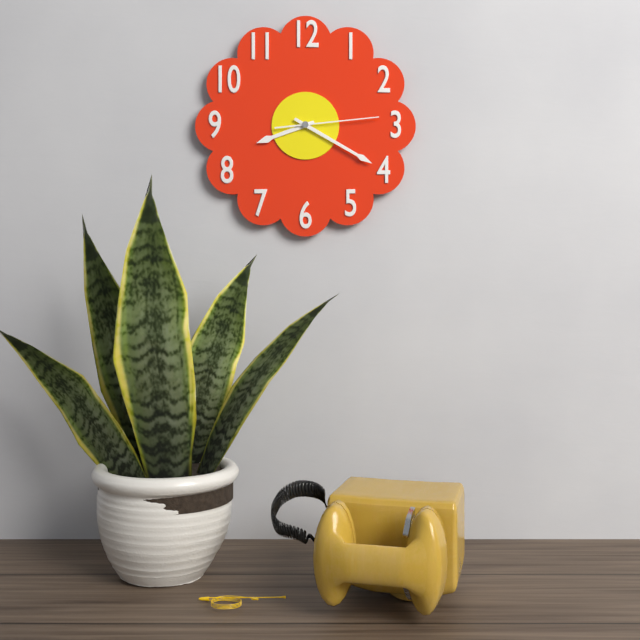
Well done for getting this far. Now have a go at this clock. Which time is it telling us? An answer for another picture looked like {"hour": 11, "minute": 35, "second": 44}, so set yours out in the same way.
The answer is {"hour": 8, "minute": 20, "second": 14}
